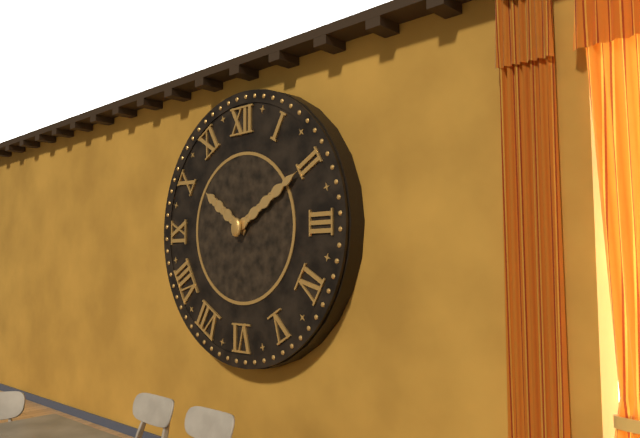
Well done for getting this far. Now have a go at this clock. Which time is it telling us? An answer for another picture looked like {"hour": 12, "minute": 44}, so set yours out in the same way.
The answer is {"hour": 10, "minute": 10}
